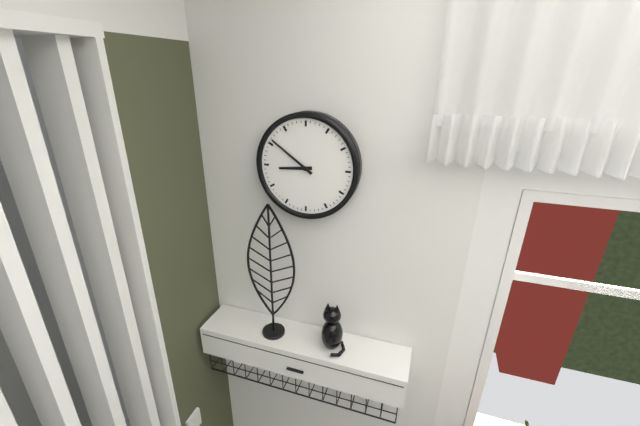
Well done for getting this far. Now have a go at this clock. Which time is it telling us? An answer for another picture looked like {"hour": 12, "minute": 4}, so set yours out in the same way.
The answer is {"hour": 8, "minute": 51}
